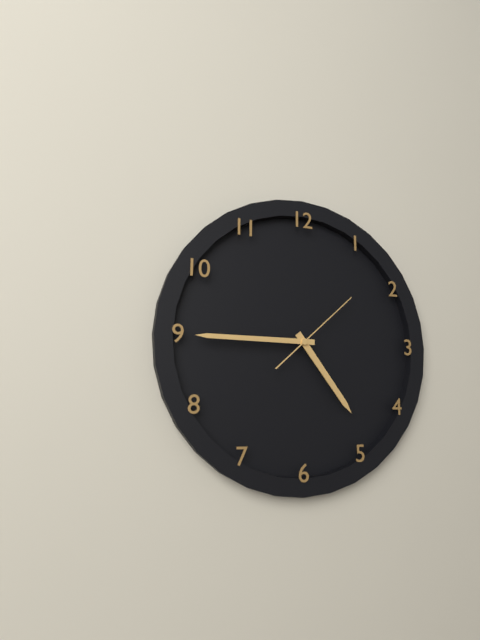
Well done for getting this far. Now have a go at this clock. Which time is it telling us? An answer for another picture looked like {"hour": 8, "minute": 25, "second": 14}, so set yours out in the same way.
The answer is {"hour": 4, "minute": 45, "second": 8}
